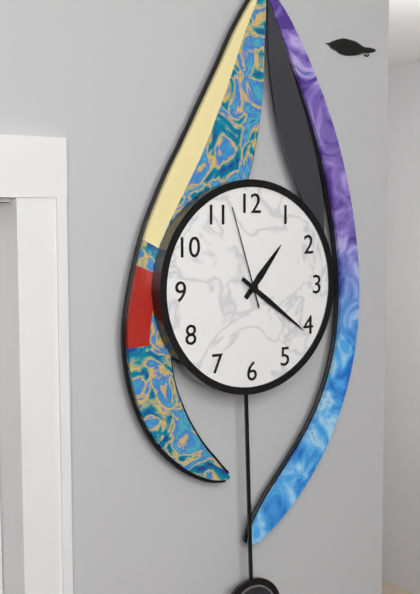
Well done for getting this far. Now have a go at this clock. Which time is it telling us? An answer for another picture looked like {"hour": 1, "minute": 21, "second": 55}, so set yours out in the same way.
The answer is {"hour": 1, "minute": 21, "second": 57}
